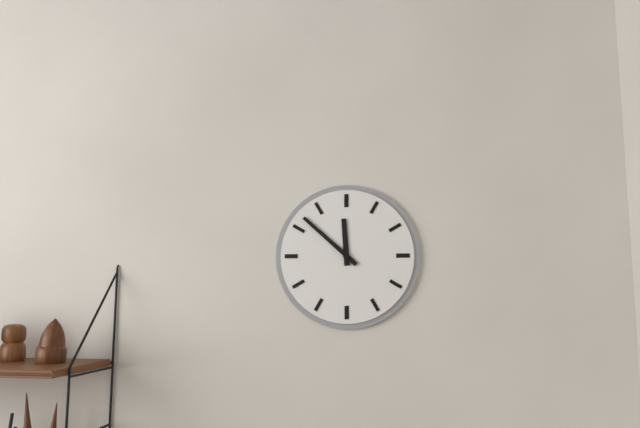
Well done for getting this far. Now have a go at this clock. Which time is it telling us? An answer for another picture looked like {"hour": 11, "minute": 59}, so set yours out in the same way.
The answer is {"hour": 11, "minute": 52}
